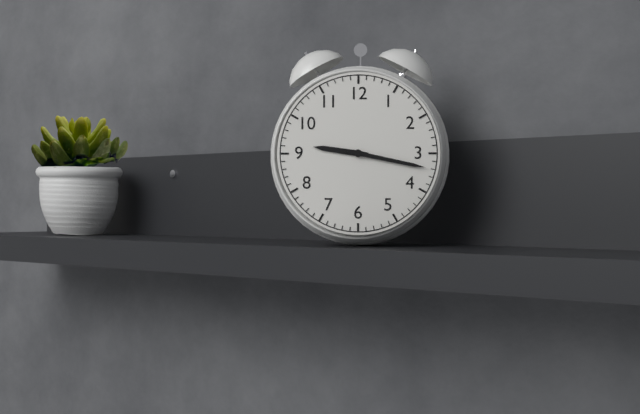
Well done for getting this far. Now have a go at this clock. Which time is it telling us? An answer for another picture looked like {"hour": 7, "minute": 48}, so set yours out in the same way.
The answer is {"hour": 9, "minute": 17}
